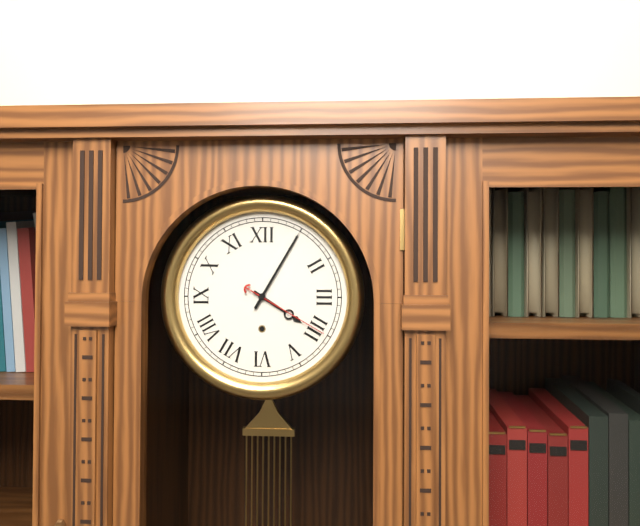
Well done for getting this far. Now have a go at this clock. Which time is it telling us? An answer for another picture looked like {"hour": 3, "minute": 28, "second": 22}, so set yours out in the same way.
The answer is {"hour": 4, "minute": 5, "second": 20}
